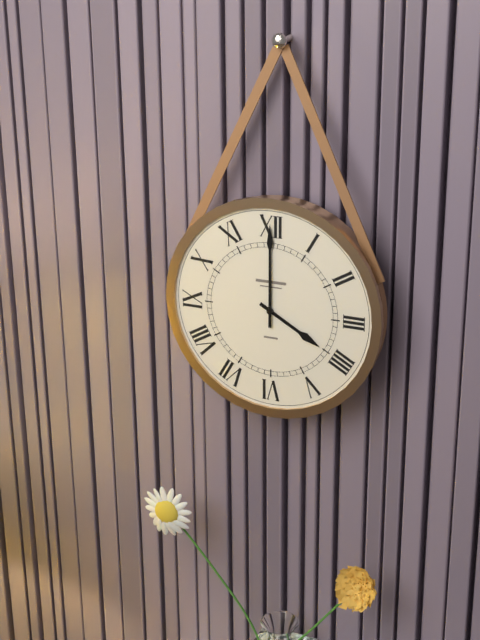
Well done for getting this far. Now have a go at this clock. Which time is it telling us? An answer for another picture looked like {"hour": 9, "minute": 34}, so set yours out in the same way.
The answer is {"hour": 4, "minute": 0}
